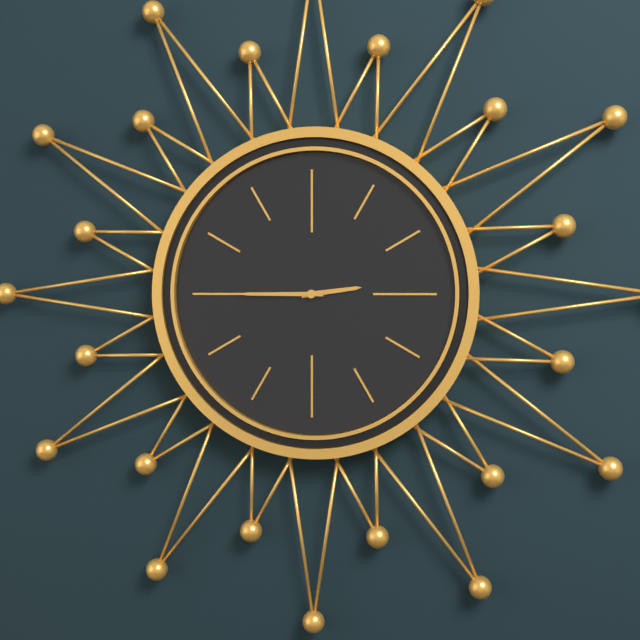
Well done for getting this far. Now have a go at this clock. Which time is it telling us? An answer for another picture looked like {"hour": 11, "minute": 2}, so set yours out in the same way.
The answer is {"hour": 2, "minute": 45}
